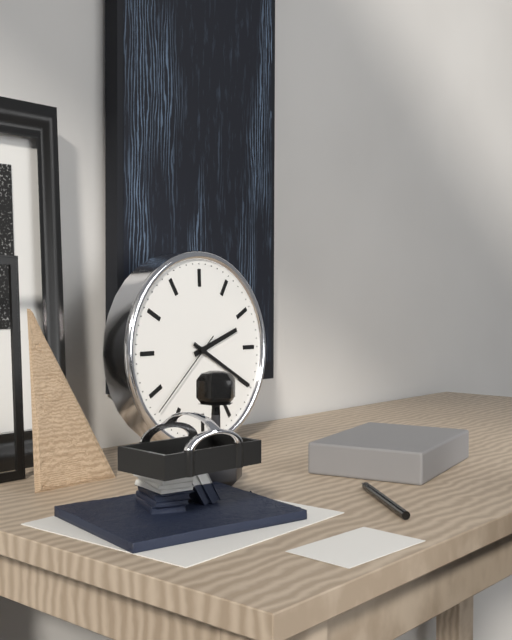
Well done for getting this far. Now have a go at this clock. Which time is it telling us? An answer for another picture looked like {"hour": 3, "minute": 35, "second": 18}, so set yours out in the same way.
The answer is {"hour": 2, "minute": 20, "second": 38}
